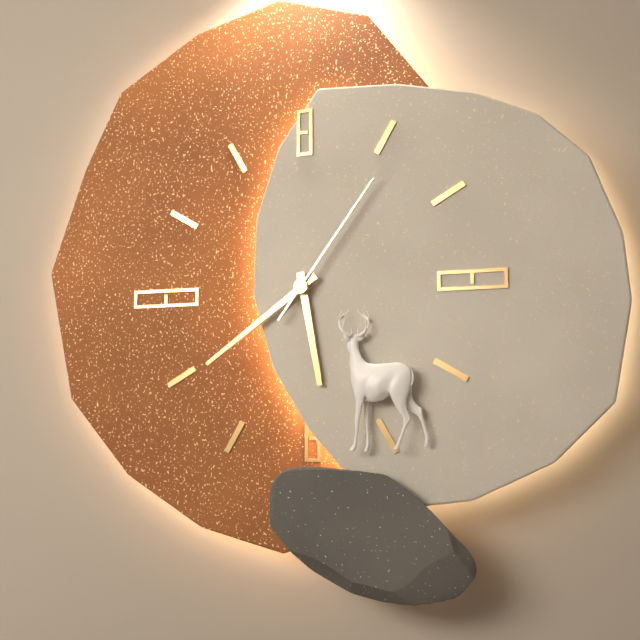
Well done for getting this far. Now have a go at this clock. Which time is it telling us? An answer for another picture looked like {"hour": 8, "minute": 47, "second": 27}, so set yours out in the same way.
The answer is {"hour": 5, "minute": 39, "second": 6}
